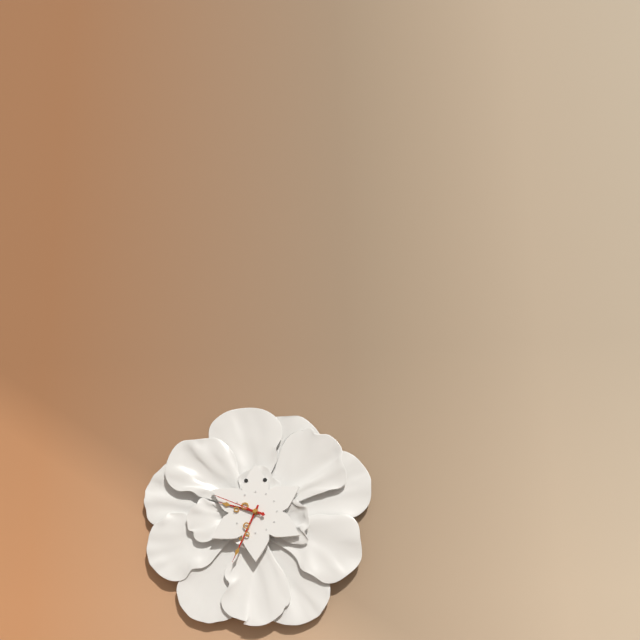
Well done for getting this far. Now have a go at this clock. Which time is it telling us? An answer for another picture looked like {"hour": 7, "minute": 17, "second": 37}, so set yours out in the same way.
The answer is {"hour": 9, "minute": 34, "second": 49}
